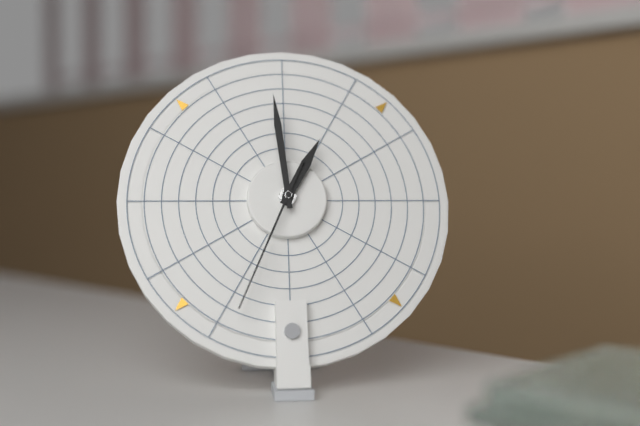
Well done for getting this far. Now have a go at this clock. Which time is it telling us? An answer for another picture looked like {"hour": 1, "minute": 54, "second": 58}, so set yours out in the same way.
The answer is {"hour": 12, "minute": 59, "second": 34}
